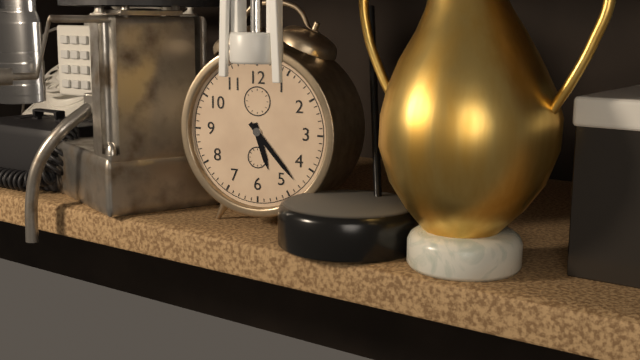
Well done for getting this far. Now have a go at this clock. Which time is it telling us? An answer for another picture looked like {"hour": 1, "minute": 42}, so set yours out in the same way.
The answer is {"hour": 5, "minute": 23}
